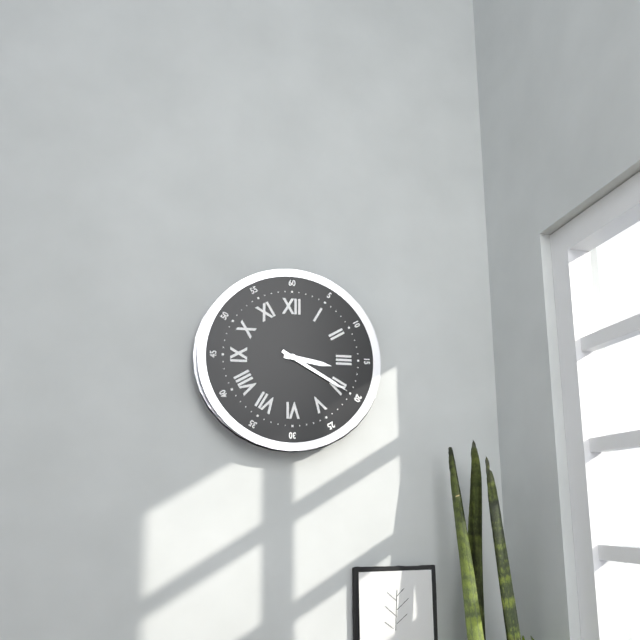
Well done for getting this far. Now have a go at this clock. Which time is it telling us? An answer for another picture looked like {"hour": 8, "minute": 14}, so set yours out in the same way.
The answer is {"hour": 3, "minute": 20}
